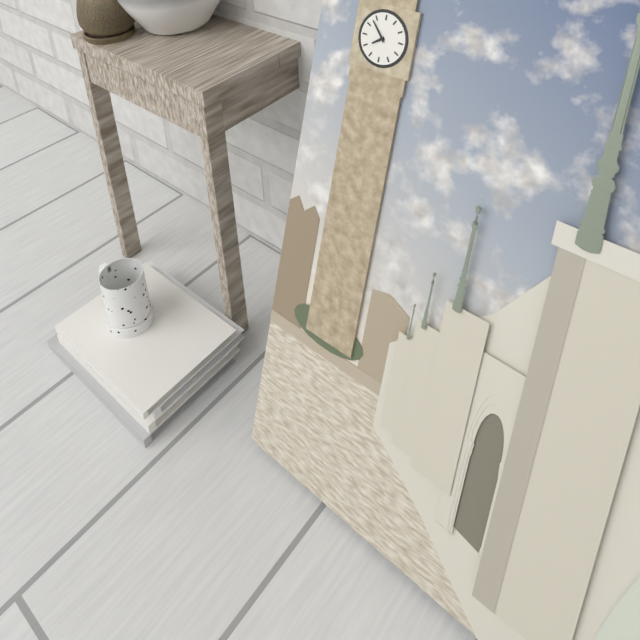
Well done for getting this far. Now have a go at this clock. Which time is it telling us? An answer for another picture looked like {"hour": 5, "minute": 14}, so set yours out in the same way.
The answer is {"hour": 7, "minute": 53}
